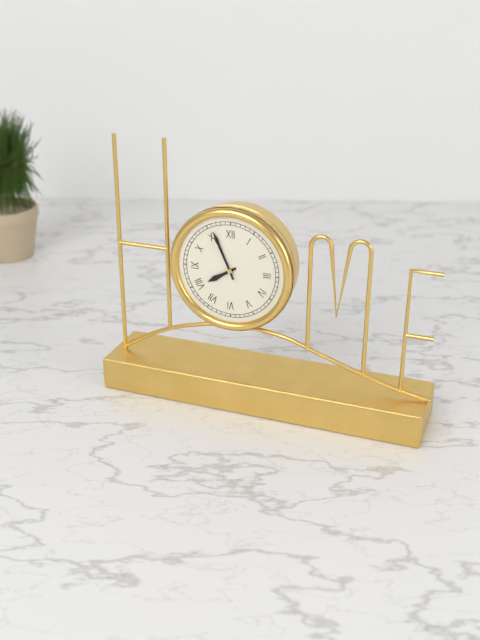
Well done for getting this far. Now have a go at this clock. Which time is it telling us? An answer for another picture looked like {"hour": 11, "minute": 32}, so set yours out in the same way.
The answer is {"hour": 7, "minute": 56}
